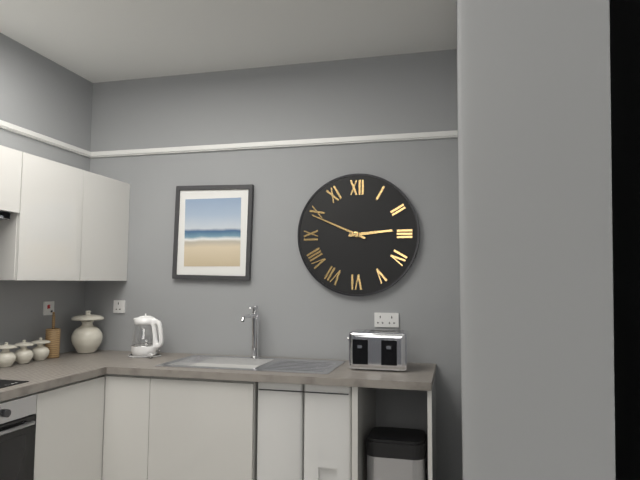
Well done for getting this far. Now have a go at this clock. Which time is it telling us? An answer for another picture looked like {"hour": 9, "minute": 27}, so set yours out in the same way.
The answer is {"hour": 2, "minute": 49}
